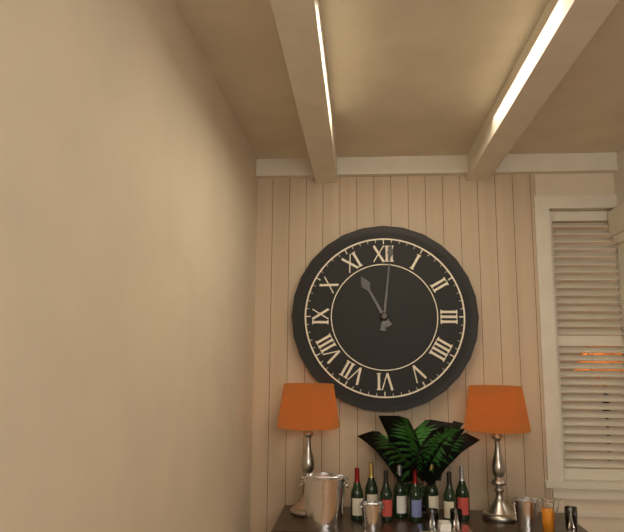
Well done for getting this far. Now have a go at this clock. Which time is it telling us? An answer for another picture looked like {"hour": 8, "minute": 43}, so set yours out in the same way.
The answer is {"hour": 11, "minute": 1}
